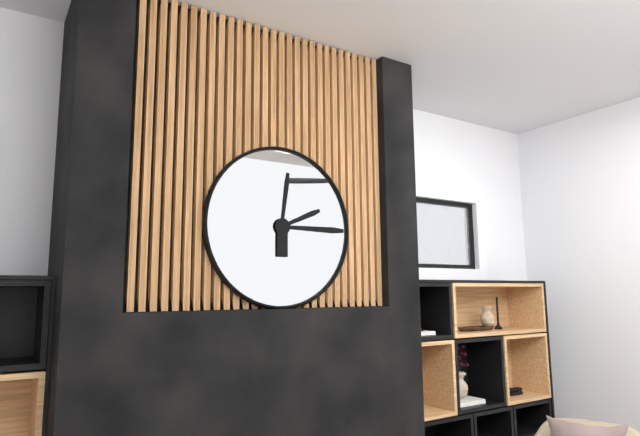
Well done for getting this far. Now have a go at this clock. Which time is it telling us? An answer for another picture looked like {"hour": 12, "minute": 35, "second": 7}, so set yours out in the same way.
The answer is {"hour": 12, "minute": 15, "second": 11}
